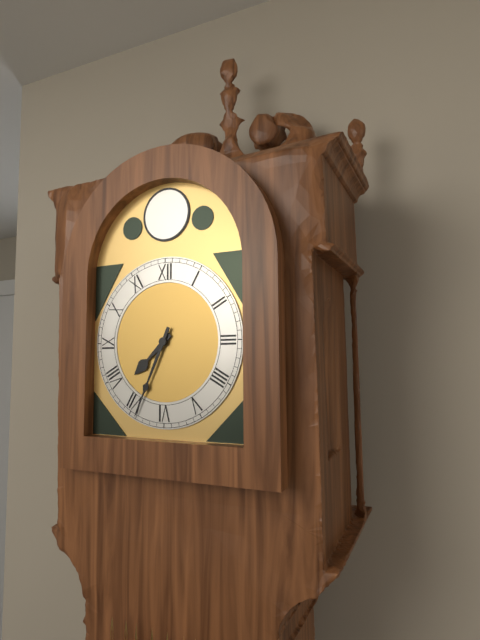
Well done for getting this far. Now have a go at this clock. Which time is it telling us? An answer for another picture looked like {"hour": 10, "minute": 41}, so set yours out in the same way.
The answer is {"hour": 7, "minute": 34}
